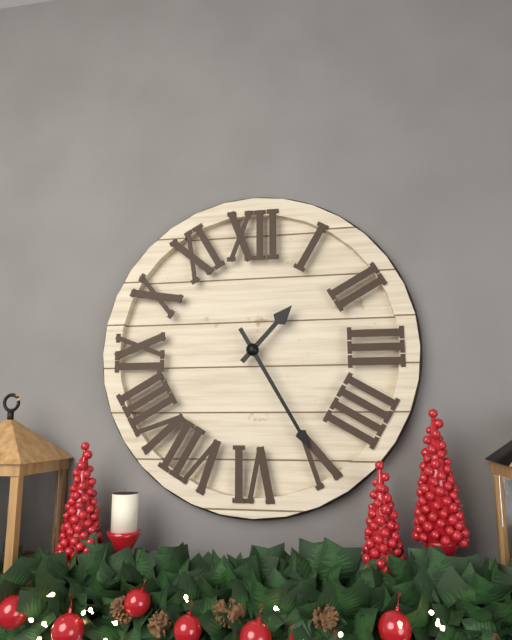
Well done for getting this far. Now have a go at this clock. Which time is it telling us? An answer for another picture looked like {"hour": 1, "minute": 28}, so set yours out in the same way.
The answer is {"hour": 1, "minute": 25}
